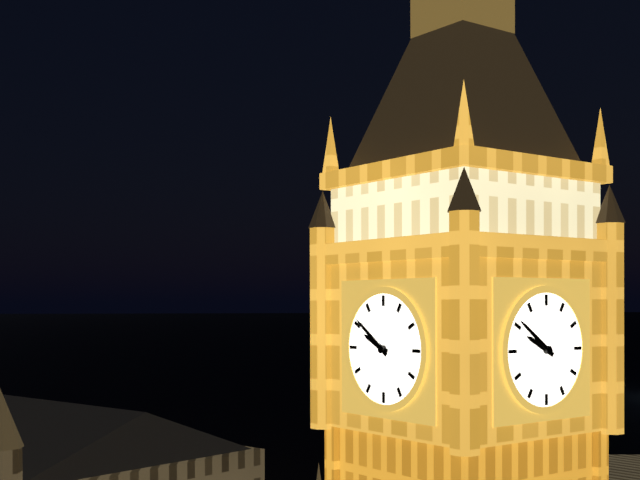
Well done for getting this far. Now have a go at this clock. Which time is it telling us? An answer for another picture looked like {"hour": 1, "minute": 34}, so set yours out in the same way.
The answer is {"hour": 9, "minute": 51}
